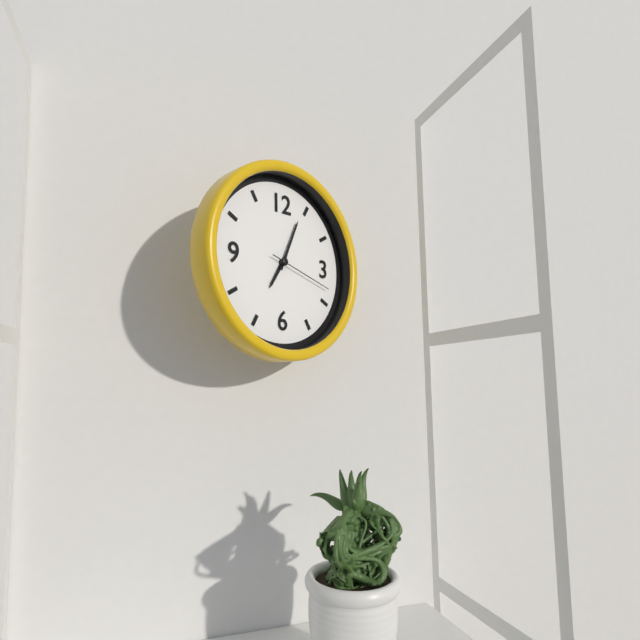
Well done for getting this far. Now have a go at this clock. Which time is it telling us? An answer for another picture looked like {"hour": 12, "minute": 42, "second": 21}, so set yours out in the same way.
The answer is {"hour": 7, "minute": 4, "second": 18}
